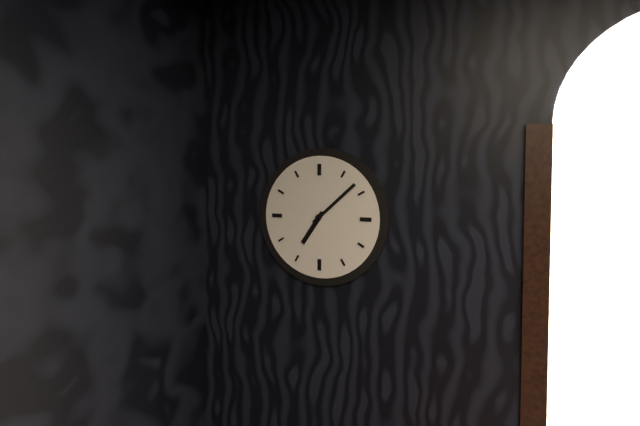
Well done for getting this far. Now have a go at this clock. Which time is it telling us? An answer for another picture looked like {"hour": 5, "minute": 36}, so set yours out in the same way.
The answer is {"hour": 7, "minute": 8}
